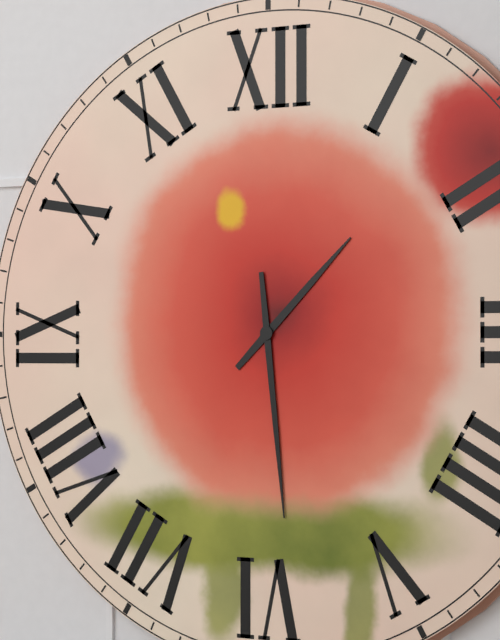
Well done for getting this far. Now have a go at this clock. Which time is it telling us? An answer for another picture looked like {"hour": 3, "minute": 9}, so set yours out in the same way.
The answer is {"hour": 1, "minute": 29}
